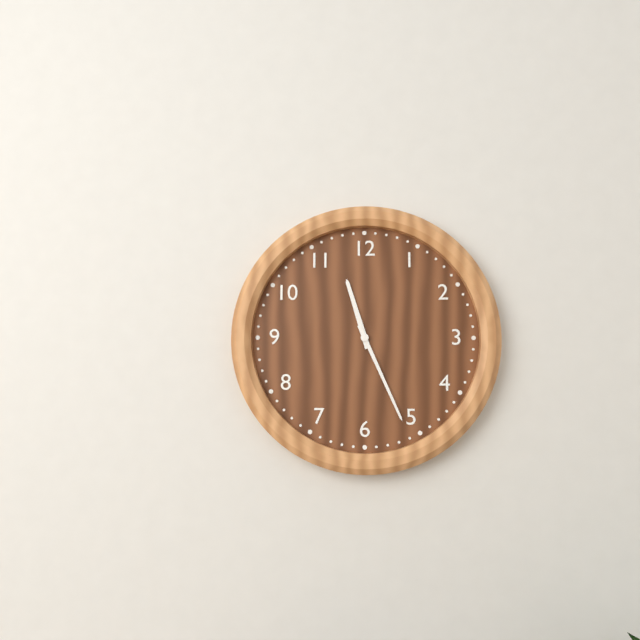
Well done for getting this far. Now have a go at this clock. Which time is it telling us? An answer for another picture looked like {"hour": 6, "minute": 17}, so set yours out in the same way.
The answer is {"hour": 11, "minute": 26}
